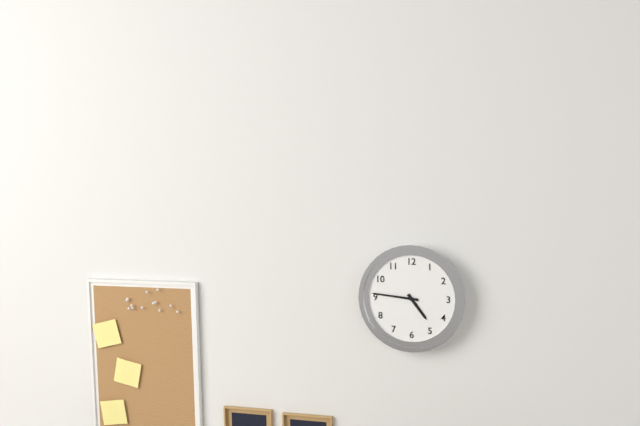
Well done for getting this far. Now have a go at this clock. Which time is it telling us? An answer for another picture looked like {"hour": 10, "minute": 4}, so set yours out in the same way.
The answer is {"hour": 4, "minute": 46}
